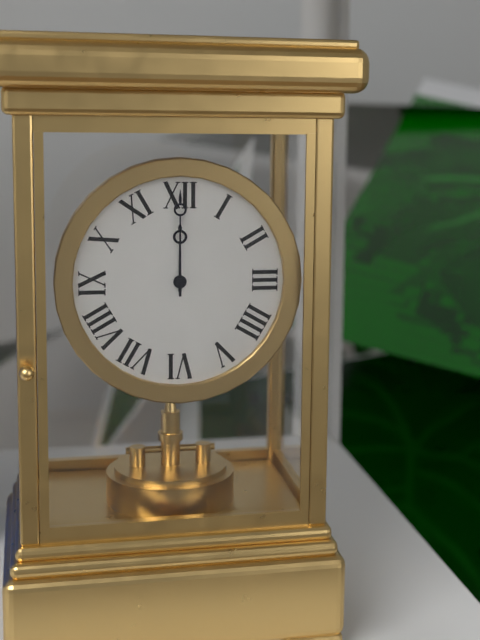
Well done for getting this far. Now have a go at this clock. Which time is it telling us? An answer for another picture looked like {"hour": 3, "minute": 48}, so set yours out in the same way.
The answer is {"hour": 12, "minute": 0}
